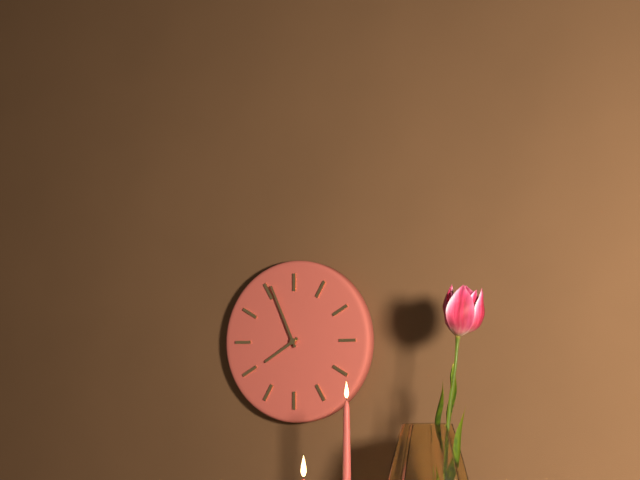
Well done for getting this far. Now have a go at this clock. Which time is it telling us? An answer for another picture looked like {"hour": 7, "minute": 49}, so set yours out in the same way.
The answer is {"hour": 7, "minute": 56}
